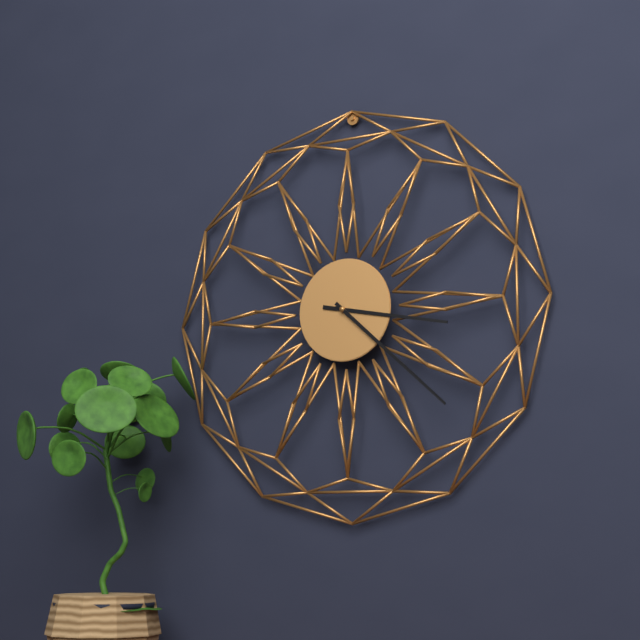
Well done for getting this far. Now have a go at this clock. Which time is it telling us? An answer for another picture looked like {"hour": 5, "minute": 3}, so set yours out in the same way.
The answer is {"hour": 3, "minute": 22}
